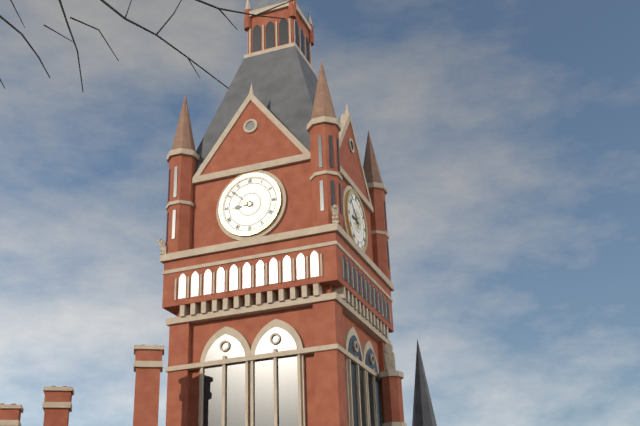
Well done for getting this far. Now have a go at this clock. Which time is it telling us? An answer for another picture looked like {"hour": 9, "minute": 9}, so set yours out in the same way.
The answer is {"hour": 8, "minute": 52}
